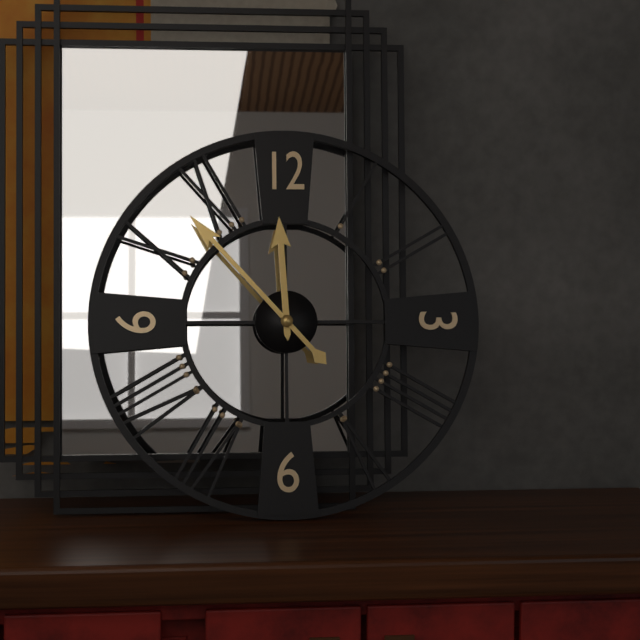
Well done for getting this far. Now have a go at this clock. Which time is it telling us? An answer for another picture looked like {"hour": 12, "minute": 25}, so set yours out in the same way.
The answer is {"hour": 11, "minute": 53}
